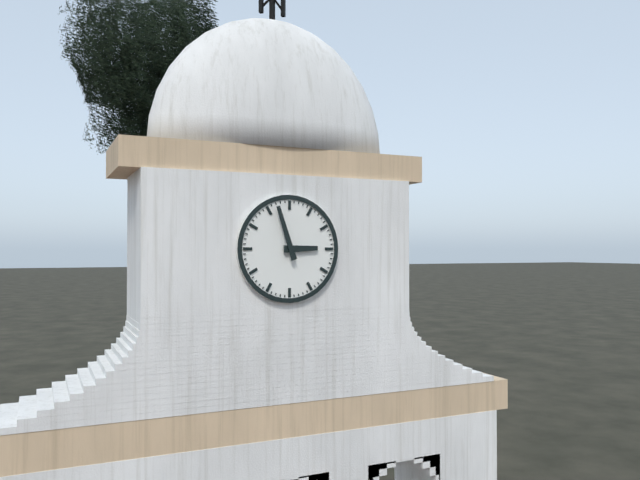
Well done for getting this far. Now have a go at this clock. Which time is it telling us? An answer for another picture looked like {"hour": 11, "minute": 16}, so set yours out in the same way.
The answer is {"hour": 2, "minute": 57}
